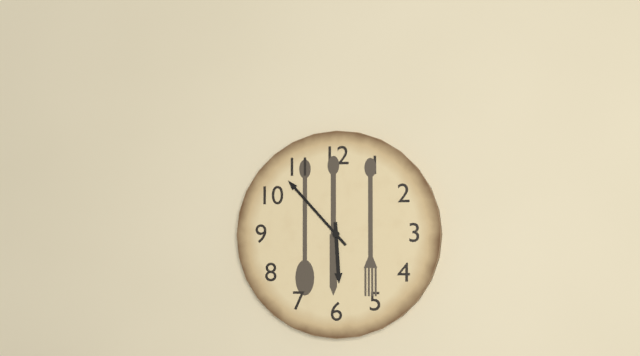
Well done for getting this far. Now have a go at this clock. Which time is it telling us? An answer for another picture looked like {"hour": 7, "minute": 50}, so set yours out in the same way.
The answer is {"hour": 5, "minute": 53}
